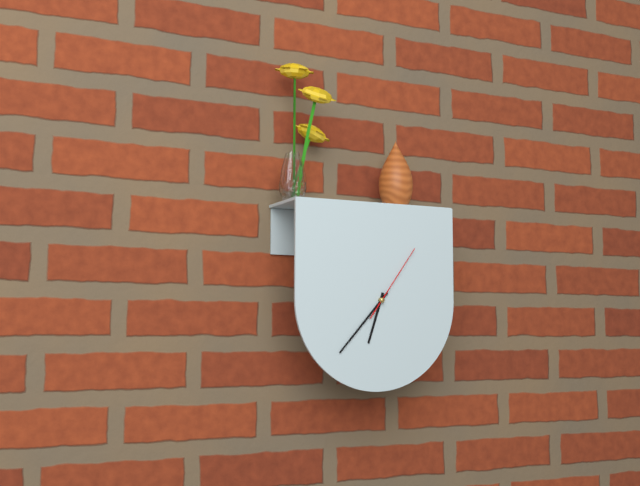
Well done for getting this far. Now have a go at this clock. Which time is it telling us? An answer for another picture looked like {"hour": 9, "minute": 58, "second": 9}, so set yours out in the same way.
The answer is {"hour": 6, "minute": 37, "second": 6}
